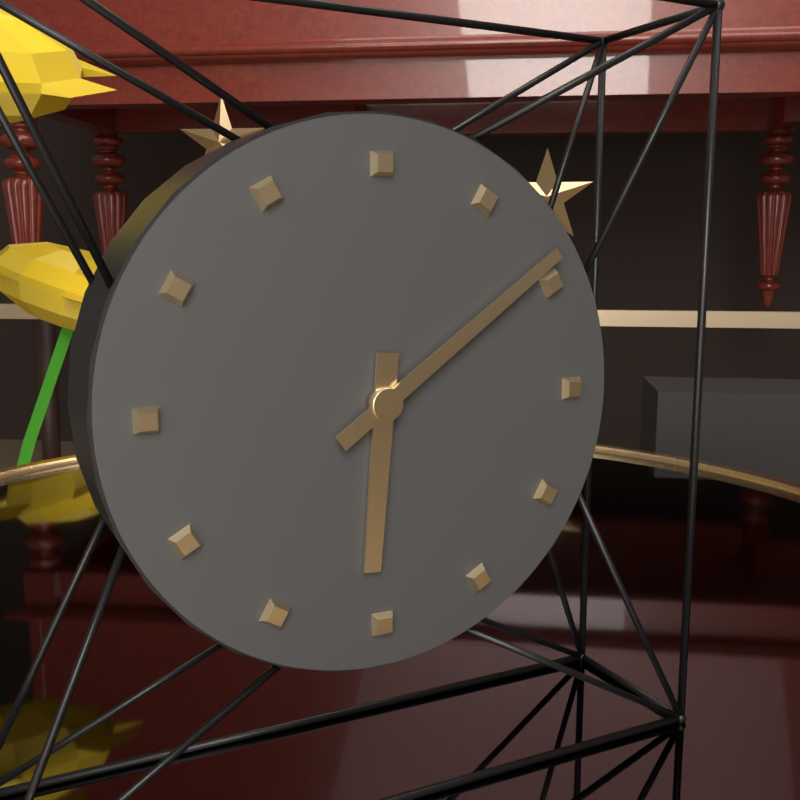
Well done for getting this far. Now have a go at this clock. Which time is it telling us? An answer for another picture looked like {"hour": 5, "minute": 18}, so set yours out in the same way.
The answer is {"hour": 6, "minute": 9}
